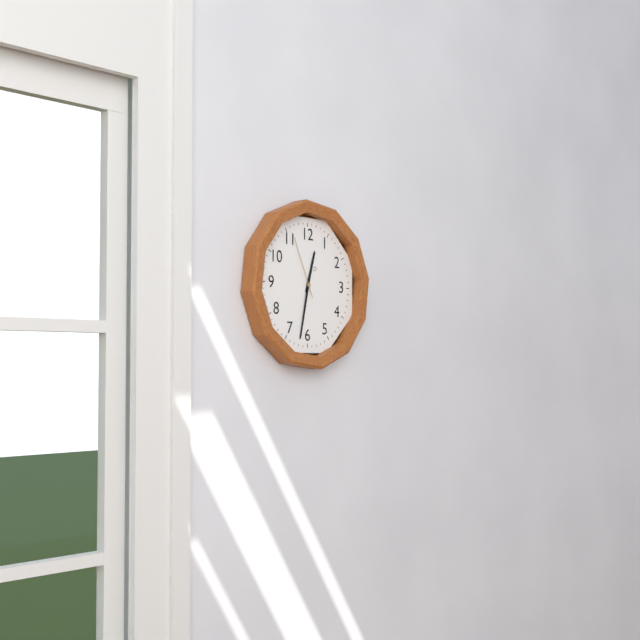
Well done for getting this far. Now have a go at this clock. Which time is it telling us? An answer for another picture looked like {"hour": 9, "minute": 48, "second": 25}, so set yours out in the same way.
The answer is {"hour": 12, "minute": 32, "second": 56}
